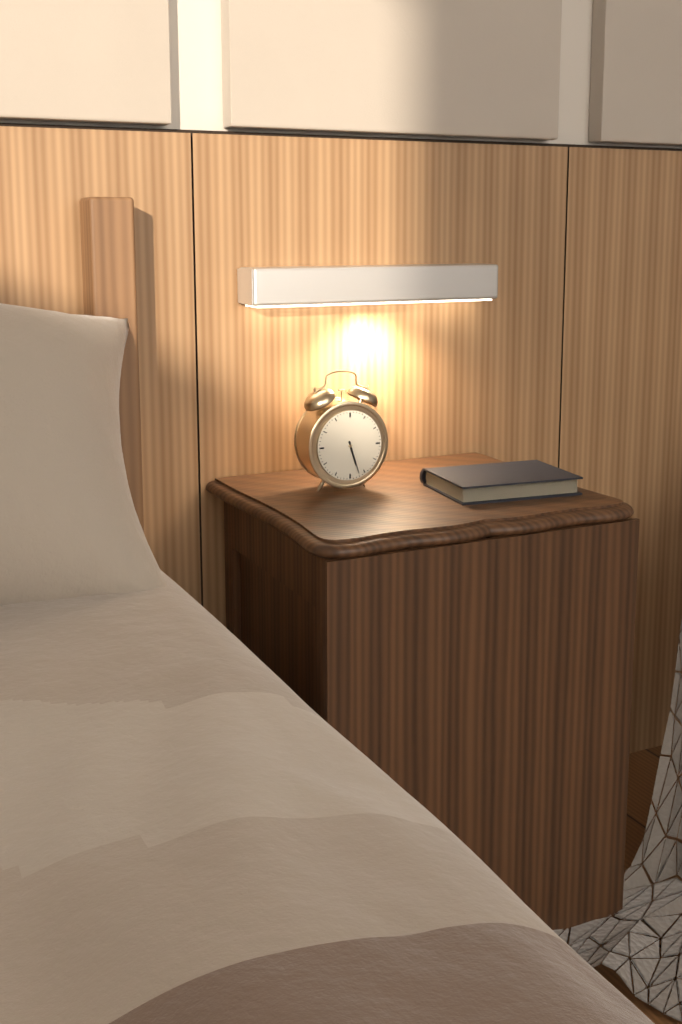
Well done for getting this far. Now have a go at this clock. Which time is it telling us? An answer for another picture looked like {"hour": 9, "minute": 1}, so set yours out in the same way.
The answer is {"hour": 5, "minute": 27}
